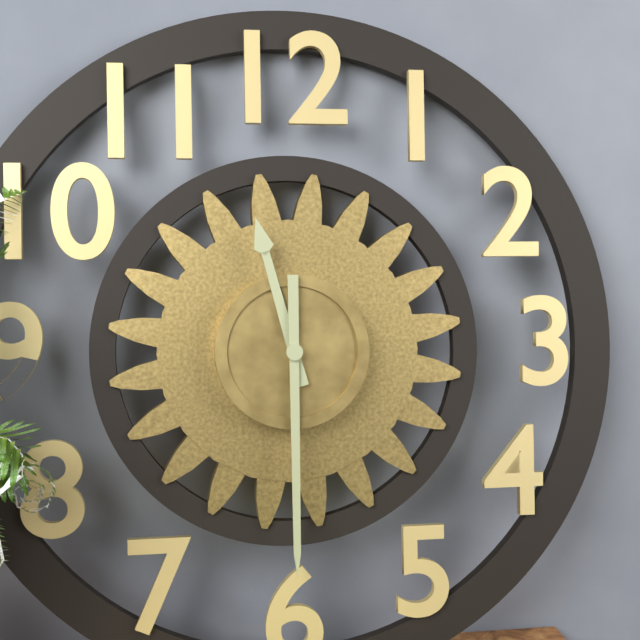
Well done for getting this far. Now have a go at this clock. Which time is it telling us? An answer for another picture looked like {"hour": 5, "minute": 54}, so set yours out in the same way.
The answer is {"hour": 11, "minute": 30}
